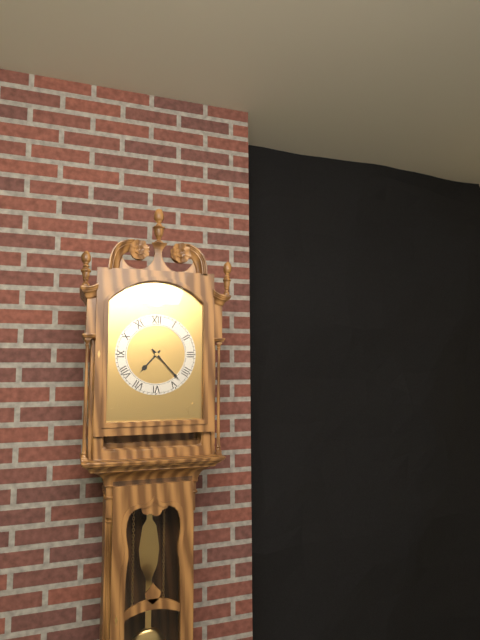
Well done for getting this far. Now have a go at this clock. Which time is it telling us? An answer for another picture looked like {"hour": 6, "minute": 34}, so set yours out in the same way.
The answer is {"hour": 7, "minute": 23}
